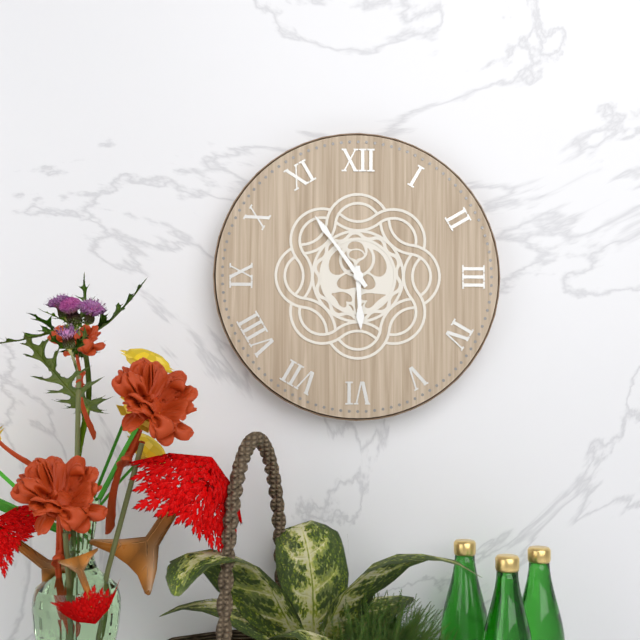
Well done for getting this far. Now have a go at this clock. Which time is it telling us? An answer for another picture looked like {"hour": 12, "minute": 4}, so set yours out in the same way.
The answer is {"hour": 5, "minute": 54}
